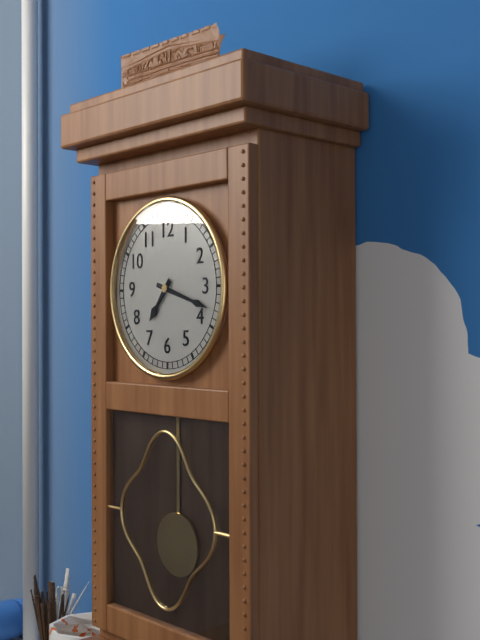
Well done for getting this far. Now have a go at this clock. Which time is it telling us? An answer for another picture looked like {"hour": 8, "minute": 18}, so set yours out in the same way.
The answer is {"hour": 7, "minute": 18}
